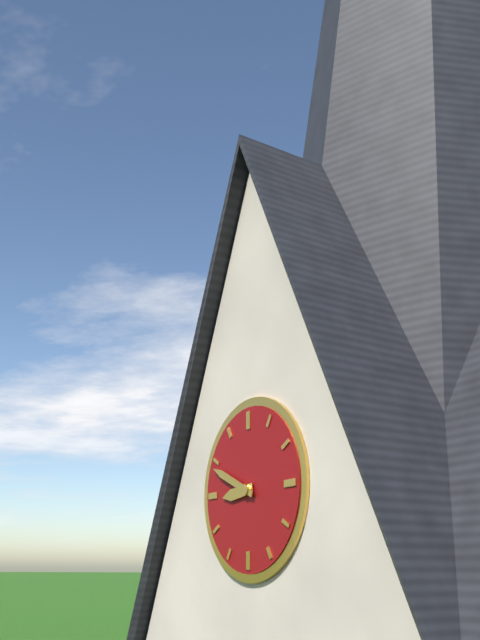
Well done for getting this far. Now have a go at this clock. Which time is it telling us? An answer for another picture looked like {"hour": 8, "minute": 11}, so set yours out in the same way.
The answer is {"hour": 8, "minute": 49}
